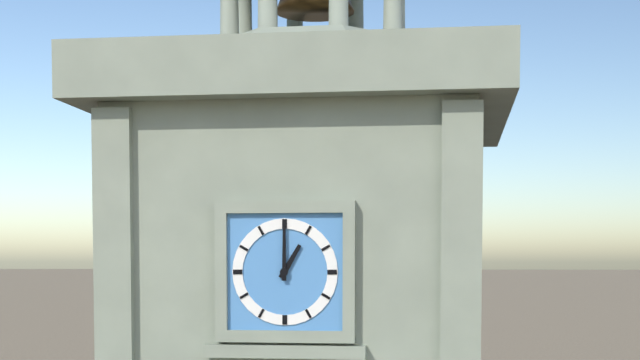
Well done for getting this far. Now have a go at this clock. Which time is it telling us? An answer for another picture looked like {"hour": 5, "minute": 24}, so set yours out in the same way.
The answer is {"hour": 1, "minute": 0}
